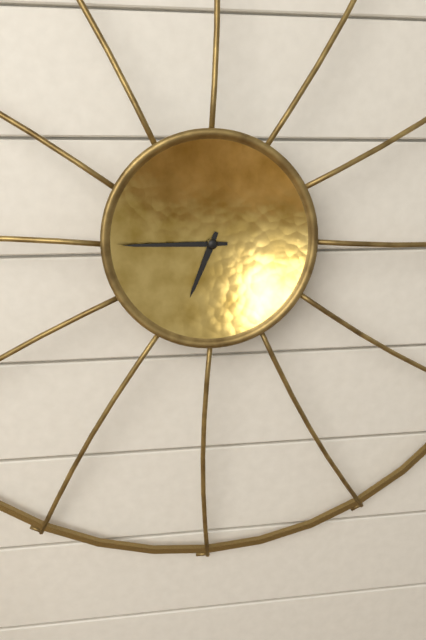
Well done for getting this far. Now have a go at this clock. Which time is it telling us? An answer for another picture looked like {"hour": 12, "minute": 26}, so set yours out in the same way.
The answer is {"hour": 6, "minute": 45}
